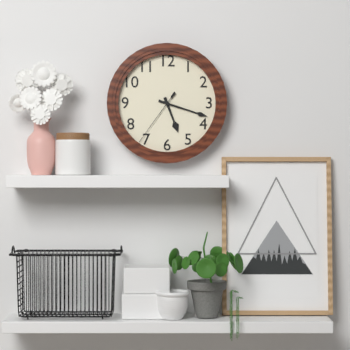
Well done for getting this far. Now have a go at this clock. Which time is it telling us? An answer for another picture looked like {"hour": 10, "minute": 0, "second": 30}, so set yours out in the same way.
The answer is {"hour": 5, "minute": 18, "second": 36}
